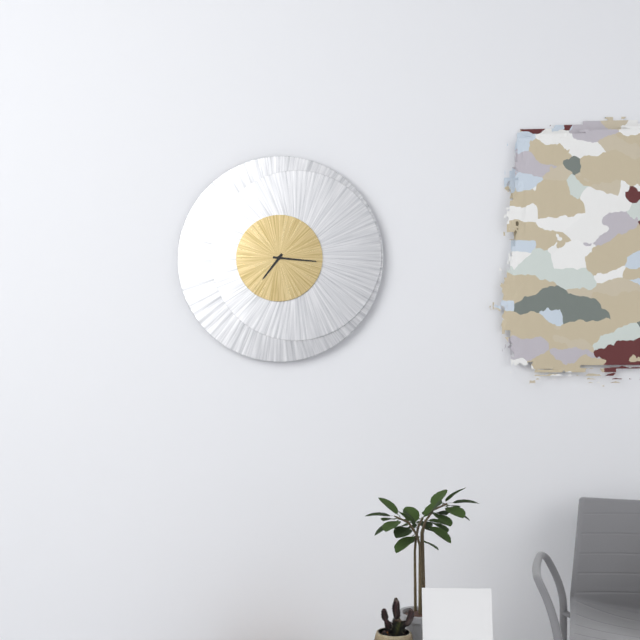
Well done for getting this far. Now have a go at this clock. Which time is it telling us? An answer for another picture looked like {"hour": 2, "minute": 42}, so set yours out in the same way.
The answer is {"hour": 7, "minute": 16}
